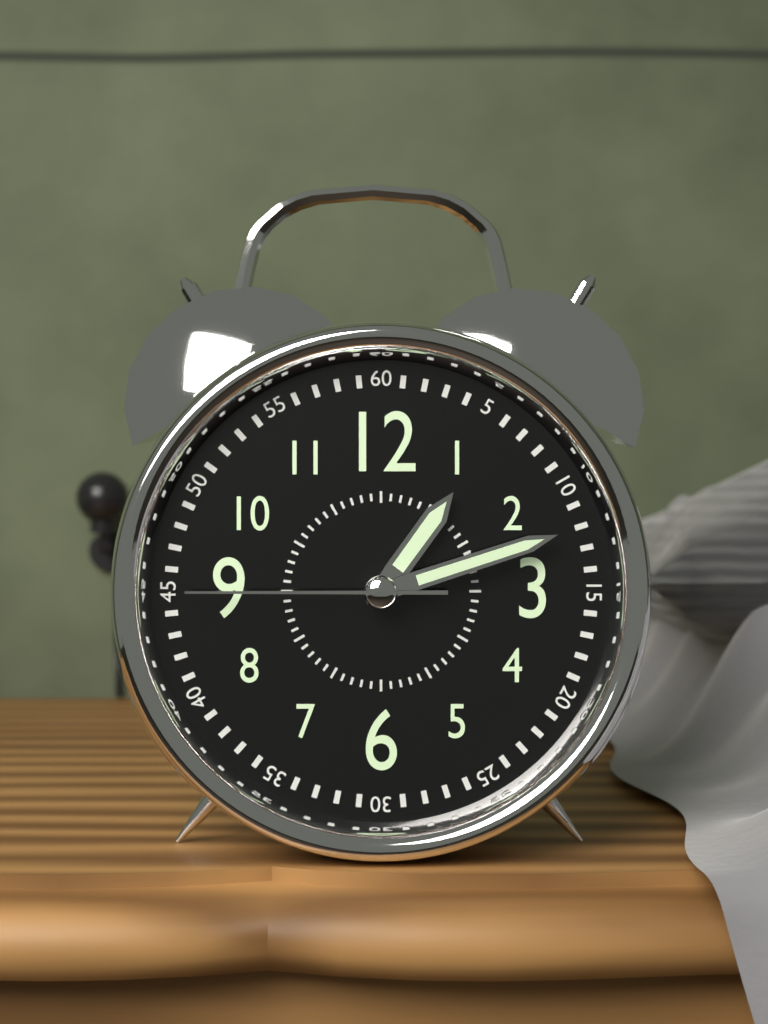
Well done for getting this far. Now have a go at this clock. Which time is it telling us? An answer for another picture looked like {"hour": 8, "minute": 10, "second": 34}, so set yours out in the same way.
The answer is {"hour": 1, "minute": 12, "second": 45}
